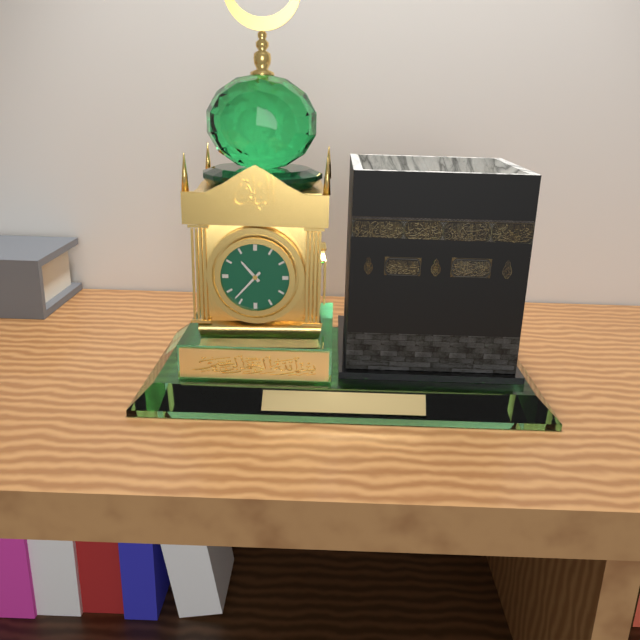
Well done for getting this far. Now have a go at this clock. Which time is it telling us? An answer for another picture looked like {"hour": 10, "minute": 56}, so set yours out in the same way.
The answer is {"hour": 10, "minute": 37}
